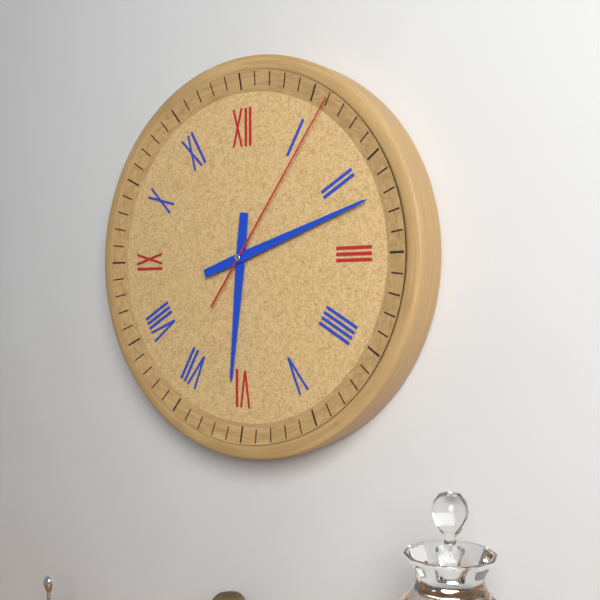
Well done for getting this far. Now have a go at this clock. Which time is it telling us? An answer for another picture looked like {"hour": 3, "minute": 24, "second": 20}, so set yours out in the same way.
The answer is {"hour": 6, "minute": 12, "second": 6}
